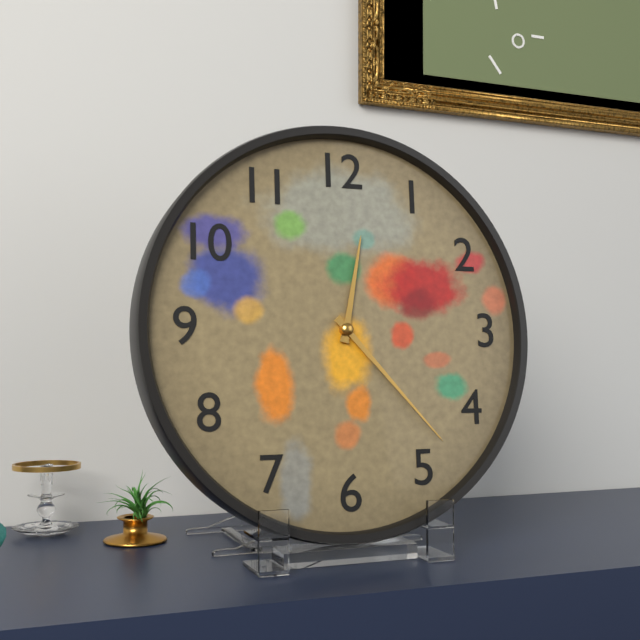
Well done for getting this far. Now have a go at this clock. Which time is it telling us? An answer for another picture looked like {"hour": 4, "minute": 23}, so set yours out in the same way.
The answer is {"hour": 12, "minute": 23}
